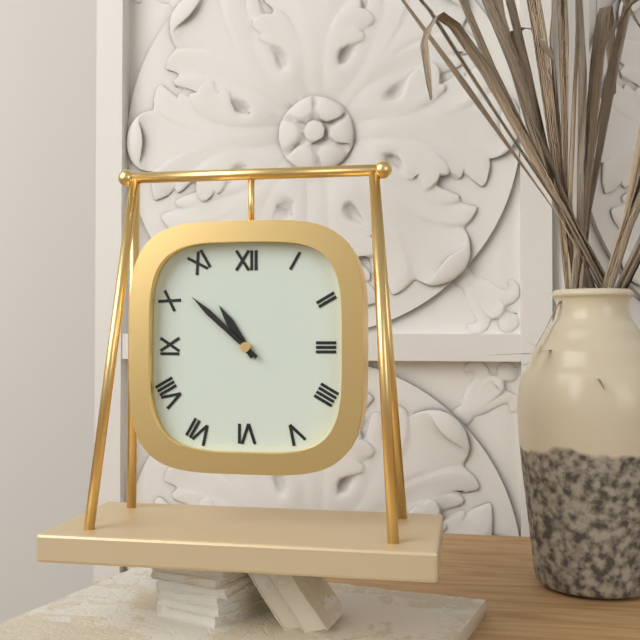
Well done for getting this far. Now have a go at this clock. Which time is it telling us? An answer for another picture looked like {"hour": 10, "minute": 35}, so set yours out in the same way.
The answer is {"hour": 10, "minute": 52}
